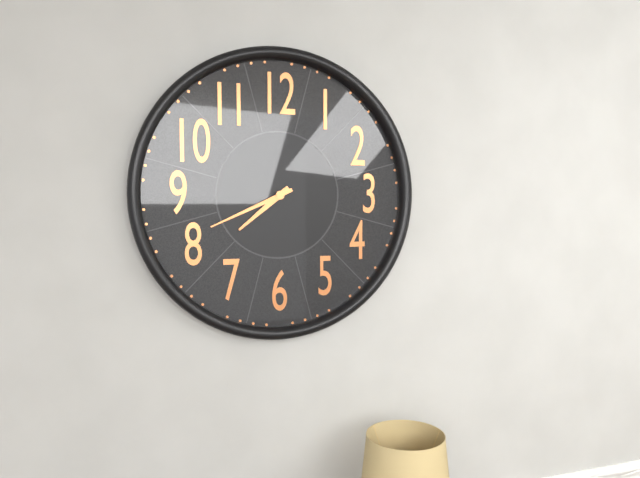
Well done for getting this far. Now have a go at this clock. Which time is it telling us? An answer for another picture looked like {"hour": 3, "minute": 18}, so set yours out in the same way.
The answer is {"hour": 7, "minute": 41}
